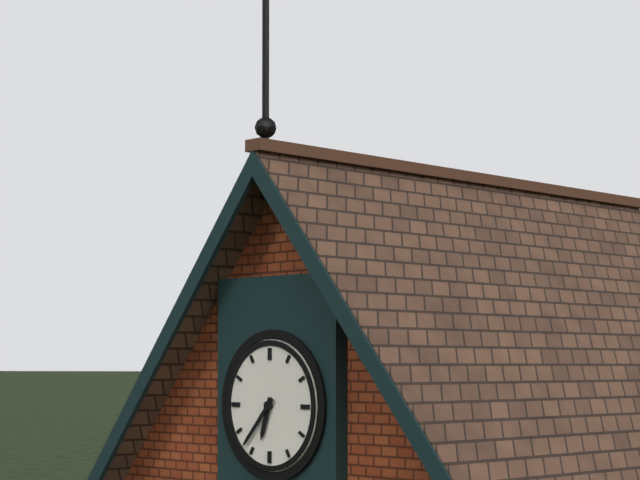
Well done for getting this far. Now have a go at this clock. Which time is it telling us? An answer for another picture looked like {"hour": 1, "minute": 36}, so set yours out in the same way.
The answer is {"hour": 6, "minute": 37}
